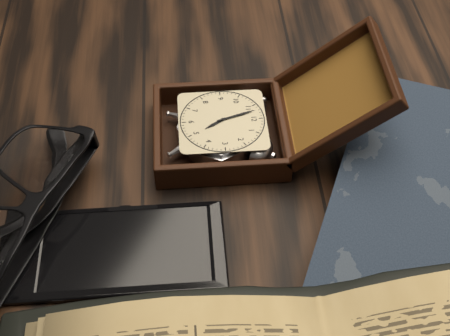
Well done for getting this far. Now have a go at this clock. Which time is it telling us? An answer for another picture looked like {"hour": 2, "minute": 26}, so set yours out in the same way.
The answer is {"hour": 4, "minute": 57}
